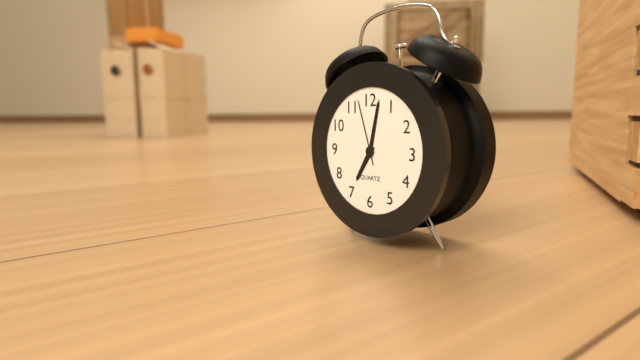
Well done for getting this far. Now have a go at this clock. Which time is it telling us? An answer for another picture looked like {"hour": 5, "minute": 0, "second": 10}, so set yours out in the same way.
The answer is {"hour": 7, "minute": 2, "second": 57}
